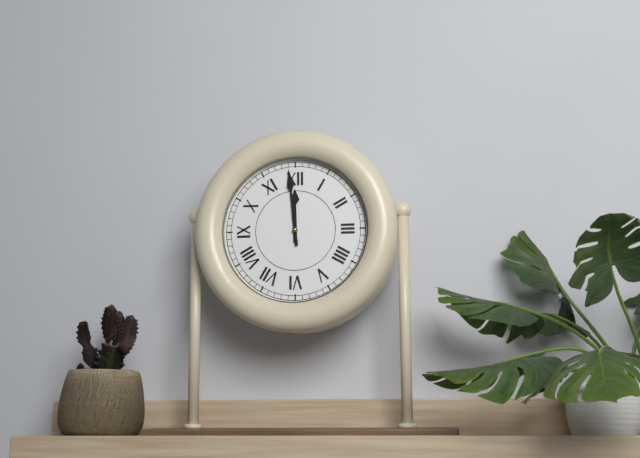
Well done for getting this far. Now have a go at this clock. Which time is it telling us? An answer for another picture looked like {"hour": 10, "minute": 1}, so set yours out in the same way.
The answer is {"hour": 11, "minute": 59}
